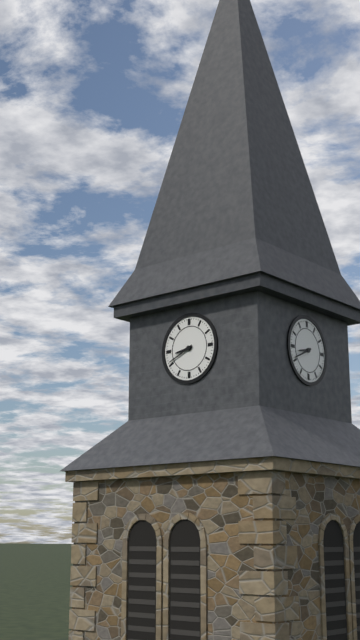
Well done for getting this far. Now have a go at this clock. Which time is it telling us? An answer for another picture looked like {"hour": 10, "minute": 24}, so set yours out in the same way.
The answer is {"hour": 8, "minute": 41}
